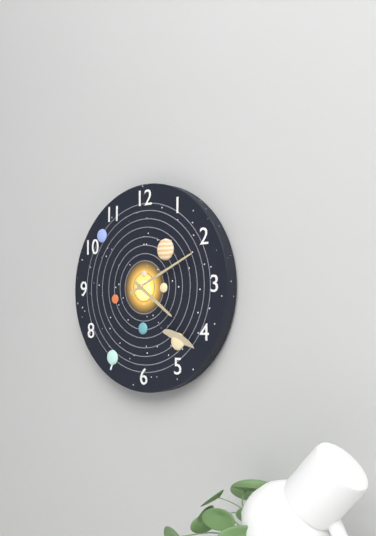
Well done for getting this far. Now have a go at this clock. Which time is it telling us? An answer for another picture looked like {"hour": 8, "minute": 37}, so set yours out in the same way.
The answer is {"hour": 4, "minute": 11}
